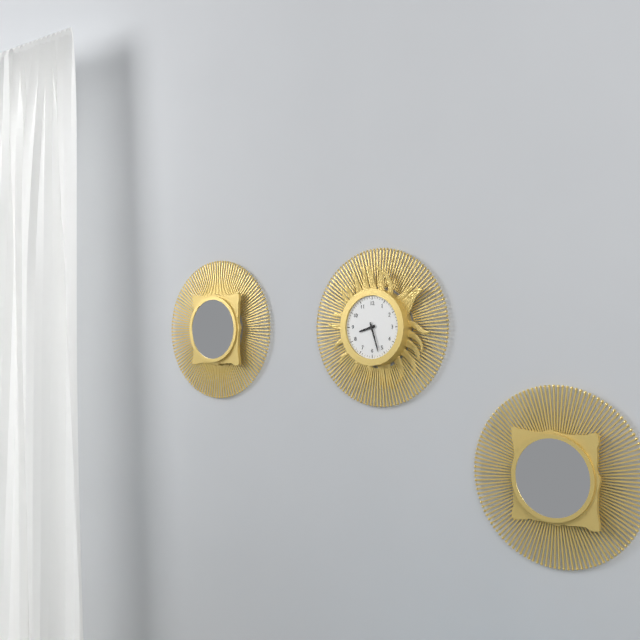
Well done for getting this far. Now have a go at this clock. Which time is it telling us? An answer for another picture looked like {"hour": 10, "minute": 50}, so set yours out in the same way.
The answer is {"hour": 8, "minute": 27}
